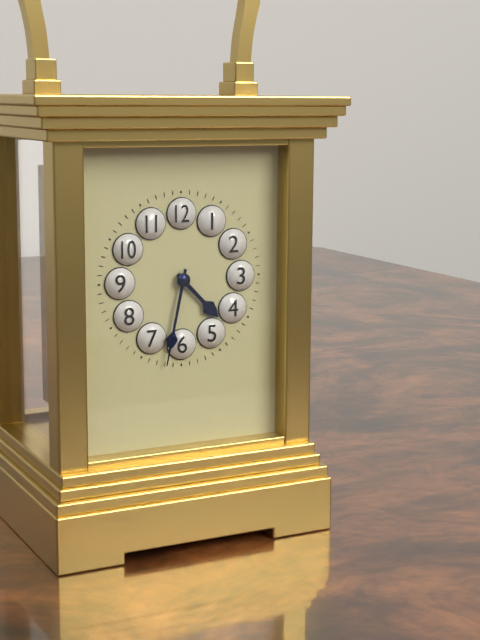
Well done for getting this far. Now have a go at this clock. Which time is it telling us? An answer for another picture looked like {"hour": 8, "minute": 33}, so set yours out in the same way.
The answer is {"hour": 4, "minute": 32}
